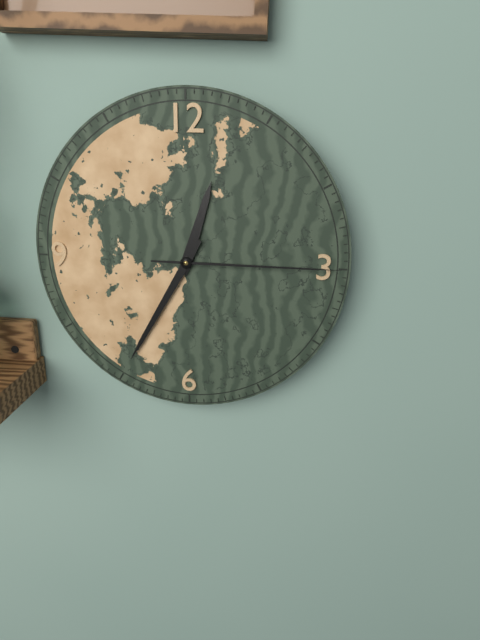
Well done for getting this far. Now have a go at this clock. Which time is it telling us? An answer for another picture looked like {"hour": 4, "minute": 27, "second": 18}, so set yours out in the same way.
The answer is {"hour": 12, "minute": 35, "second": 15}
